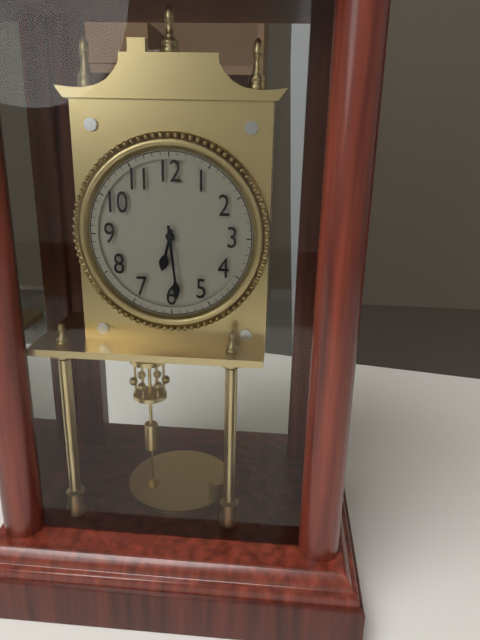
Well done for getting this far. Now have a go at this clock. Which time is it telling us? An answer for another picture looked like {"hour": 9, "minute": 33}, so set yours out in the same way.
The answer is {"hour": 6, "minute": 29}
